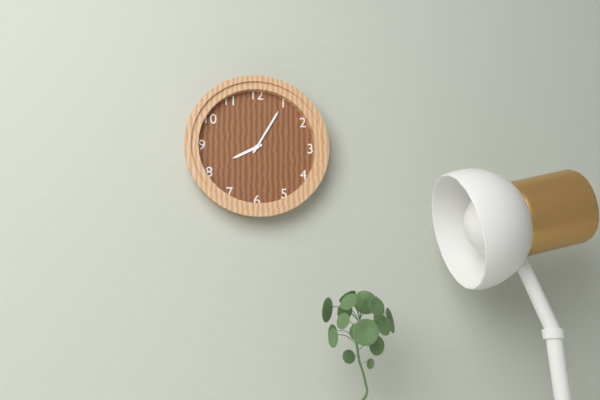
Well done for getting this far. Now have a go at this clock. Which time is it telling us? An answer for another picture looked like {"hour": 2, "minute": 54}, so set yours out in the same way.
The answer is {"hour": 8, "minute": 5}
